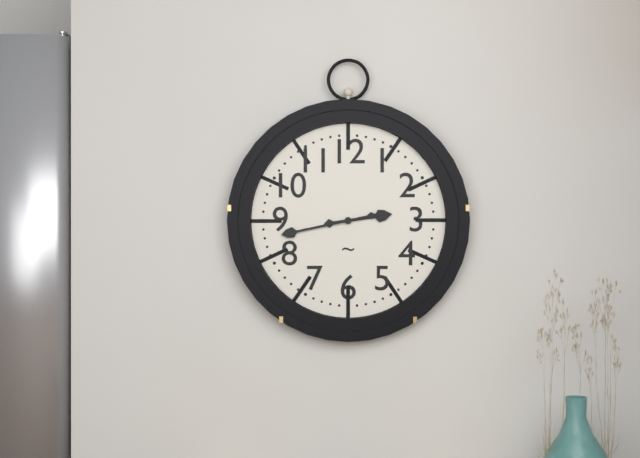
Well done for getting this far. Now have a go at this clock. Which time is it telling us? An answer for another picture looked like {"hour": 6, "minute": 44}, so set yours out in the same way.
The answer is {"hour": 2, "minute": 43}
